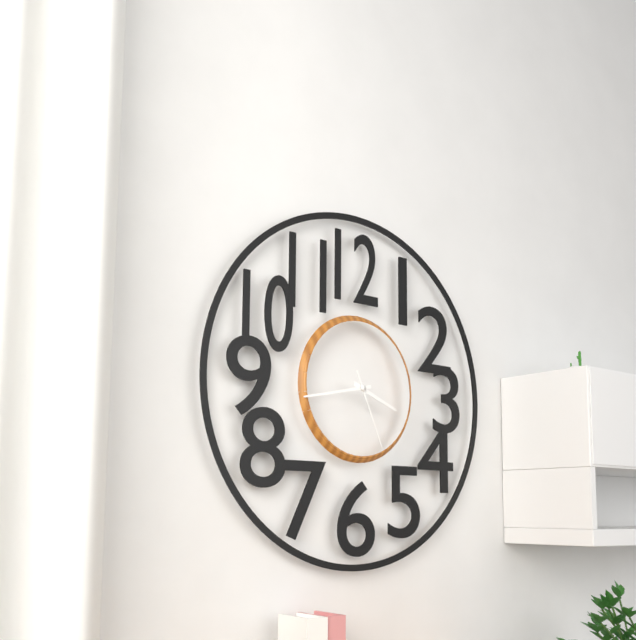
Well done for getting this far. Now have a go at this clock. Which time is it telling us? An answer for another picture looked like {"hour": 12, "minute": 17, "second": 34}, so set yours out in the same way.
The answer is {"hour": 3, "minute": 43, "second": 26}
